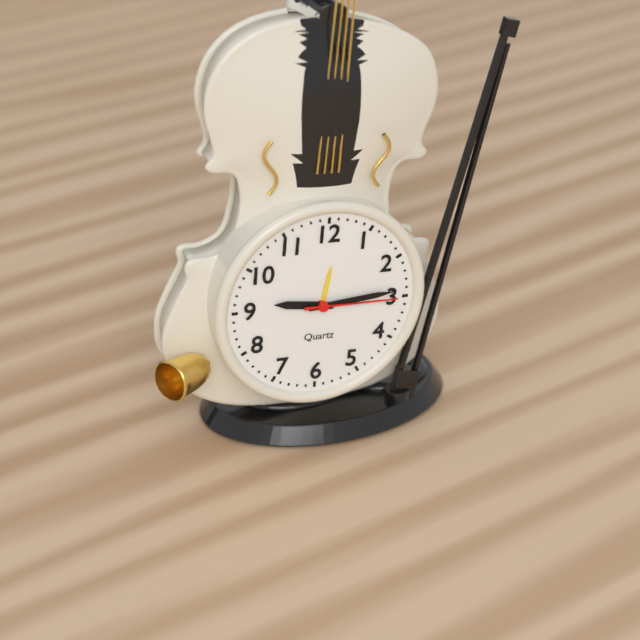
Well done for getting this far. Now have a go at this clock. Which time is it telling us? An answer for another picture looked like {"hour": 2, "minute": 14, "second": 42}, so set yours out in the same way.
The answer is {"hour": 9, "minute": 14, "second": 15}
